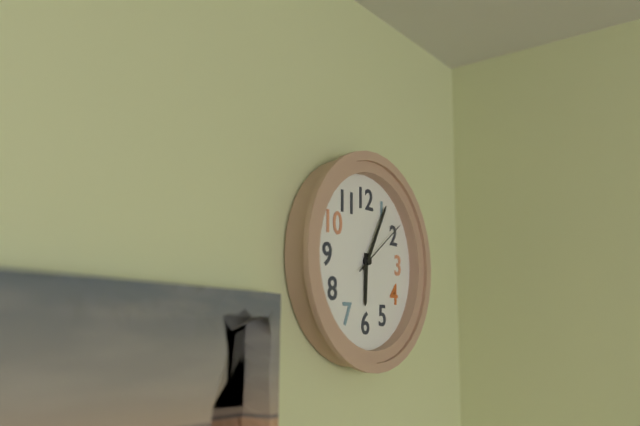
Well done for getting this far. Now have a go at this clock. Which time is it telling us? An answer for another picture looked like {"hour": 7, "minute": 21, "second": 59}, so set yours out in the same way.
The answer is {"hour": 6, "minute": 5, "second": 9}
